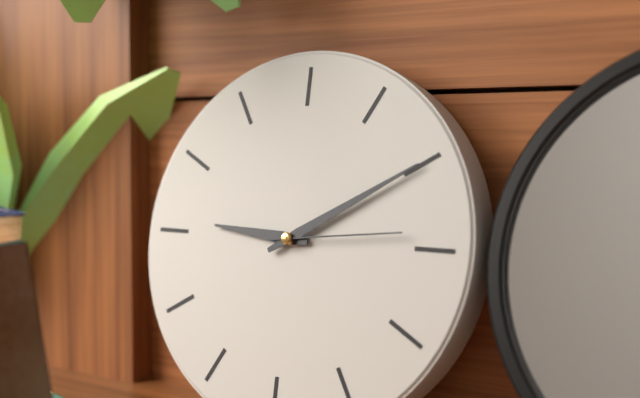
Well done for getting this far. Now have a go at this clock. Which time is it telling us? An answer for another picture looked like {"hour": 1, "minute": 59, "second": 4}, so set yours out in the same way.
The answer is {"hour": 9, "minute": 10, "second": 14}
